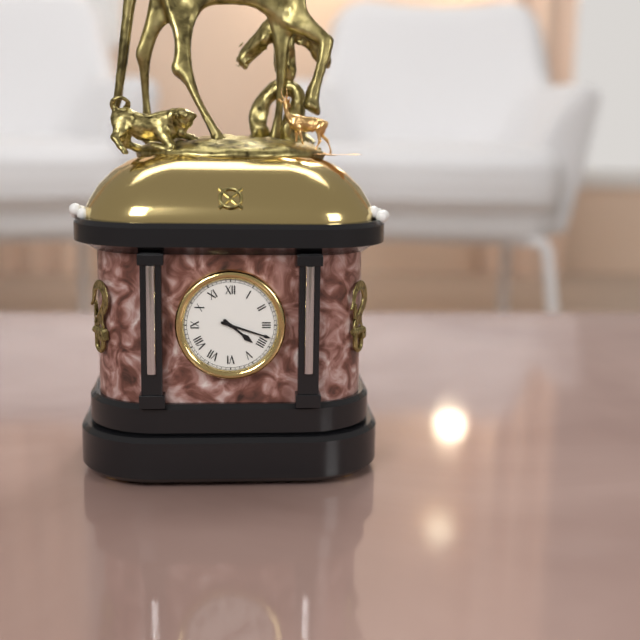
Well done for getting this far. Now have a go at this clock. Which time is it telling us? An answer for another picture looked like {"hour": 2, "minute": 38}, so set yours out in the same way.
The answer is {"hour": 4, "minute": 18}
